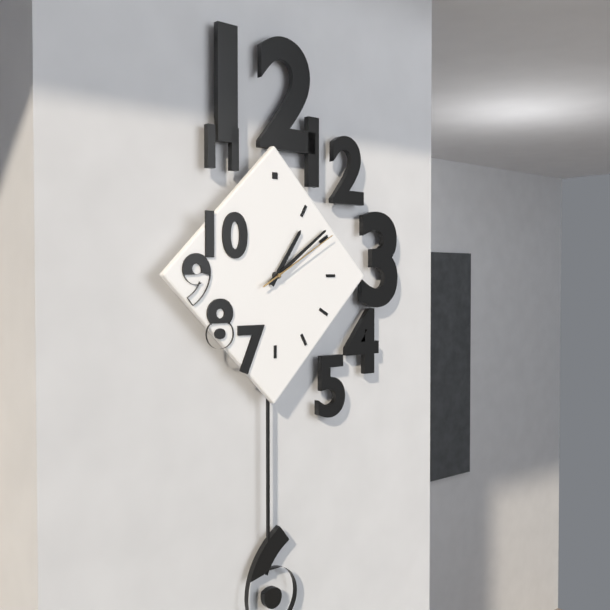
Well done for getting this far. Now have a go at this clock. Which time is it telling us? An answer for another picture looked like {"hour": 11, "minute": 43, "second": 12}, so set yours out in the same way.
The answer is {"hour": 1, "minute": 9, "second": 10}
